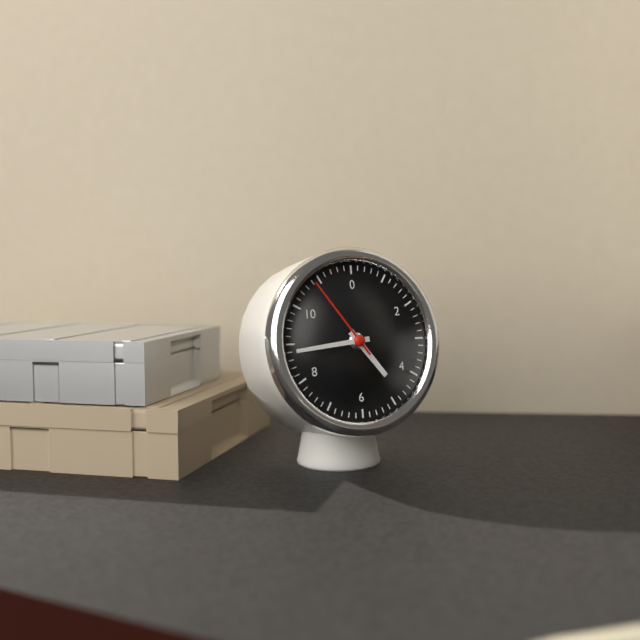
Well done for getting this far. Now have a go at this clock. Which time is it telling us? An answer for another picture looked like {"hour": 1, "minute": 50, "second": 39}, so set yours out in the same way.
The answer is {"hour": 4, "minute": 44, "second": 54}
